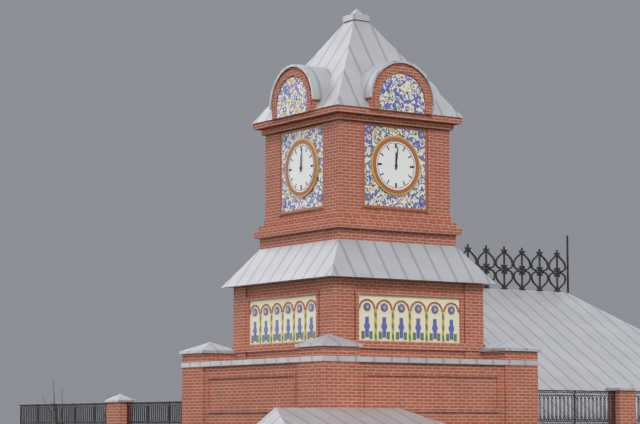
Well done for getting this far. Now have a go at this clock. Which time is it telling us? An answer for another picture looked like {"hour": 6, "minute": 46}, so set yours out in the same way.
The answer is {"hour": 12, "minute": 1}
